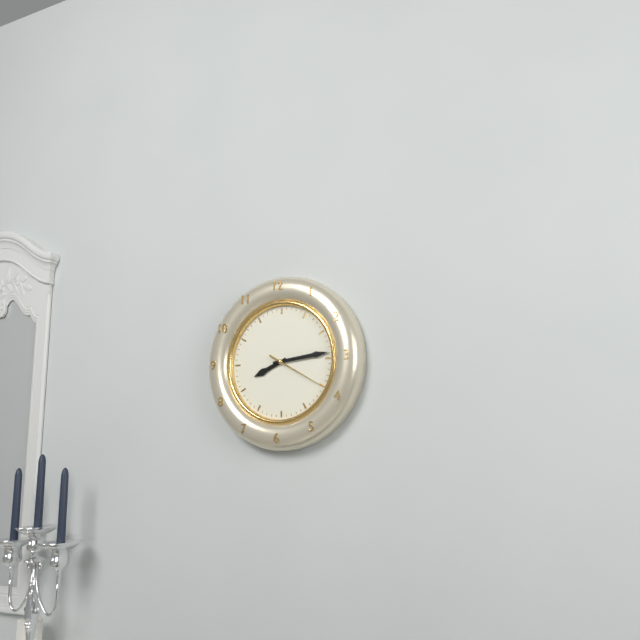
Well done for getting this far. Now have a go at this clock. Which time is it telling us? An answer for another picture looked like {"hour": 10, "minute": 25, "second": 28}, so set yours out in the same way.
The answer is {"hour": 8, "minute": 14, "second": 20}
